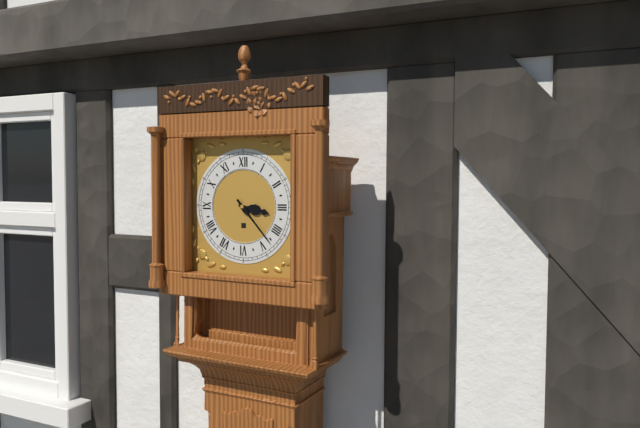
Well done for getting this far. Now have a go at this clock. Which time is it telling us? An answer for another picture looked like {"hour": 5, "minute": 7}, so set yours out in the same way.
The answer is {"hour": 3, "minute": 23}
